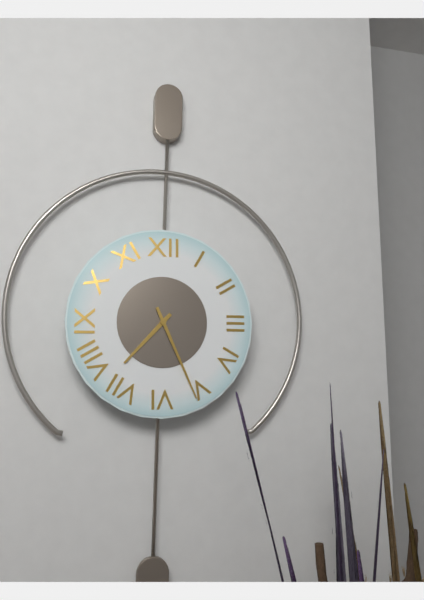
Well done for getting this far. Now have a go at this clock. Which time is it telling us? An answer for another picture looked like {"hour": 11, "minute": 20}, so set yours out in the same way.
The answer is {"hour": 7, "minute": 26}
